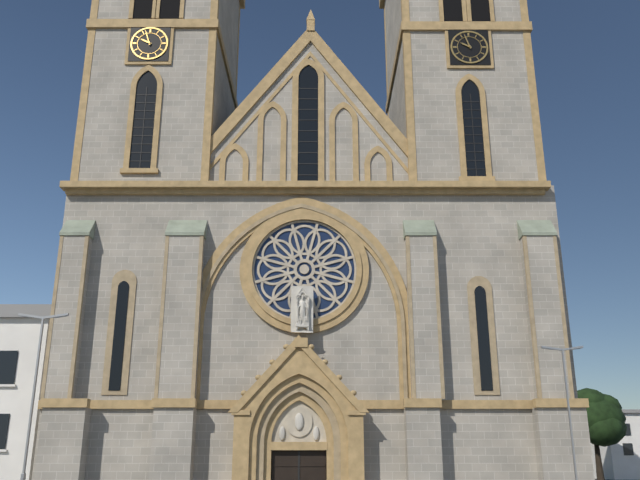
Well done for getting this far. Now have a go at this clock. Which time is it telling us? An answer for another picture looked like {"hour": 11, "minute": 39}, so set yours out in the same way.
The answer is {"hour": 9, "minute": 57}
